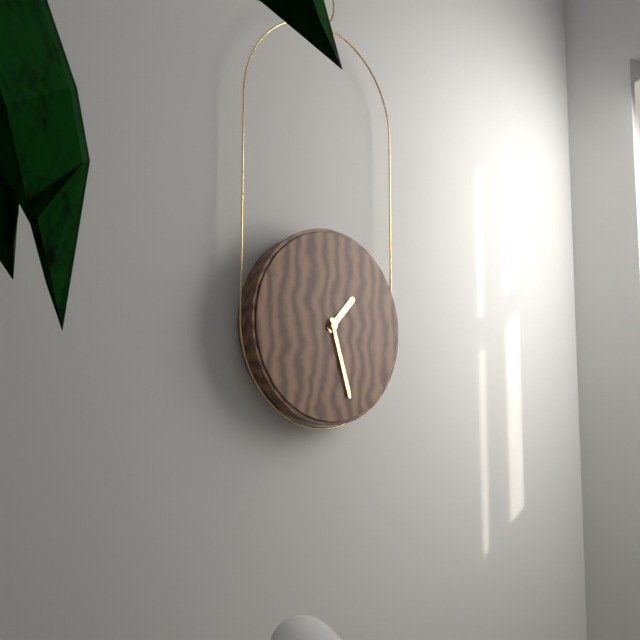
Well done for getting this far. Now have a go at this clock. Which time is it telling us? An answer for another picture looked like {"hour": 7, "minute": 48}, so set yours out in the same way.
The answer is {"hour": 1, "minute": 27}
